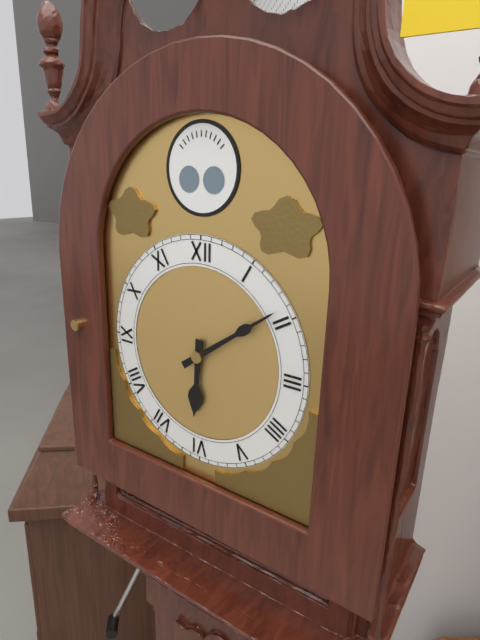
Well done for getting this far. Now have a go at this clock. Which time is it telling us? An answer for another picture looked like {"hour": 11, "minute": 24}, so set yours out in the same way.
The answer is {"hour": 6, "minute": 9}
